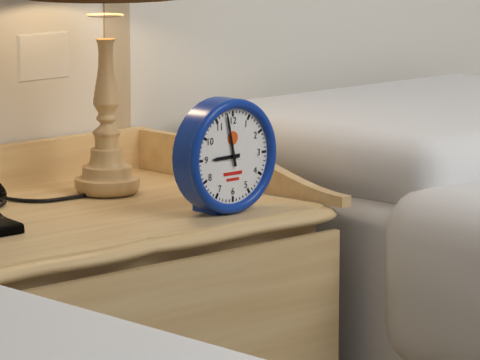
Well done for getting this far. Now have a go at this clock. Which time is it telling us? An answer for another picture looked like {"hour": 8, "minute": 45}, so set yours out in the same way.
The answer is {"hour": 8, "minute": 58}
